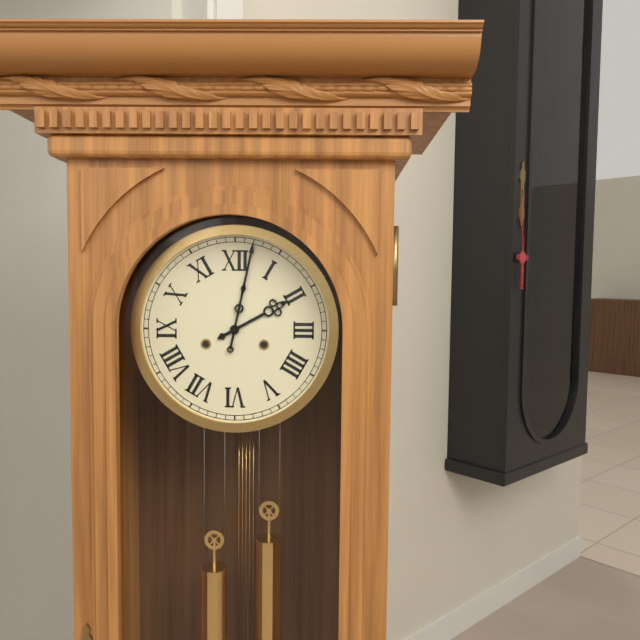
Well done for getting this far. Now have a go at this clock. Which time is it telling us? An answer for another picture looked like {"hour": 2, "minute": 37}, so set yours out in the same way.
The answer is {"hour": 2, "minute": 2}
